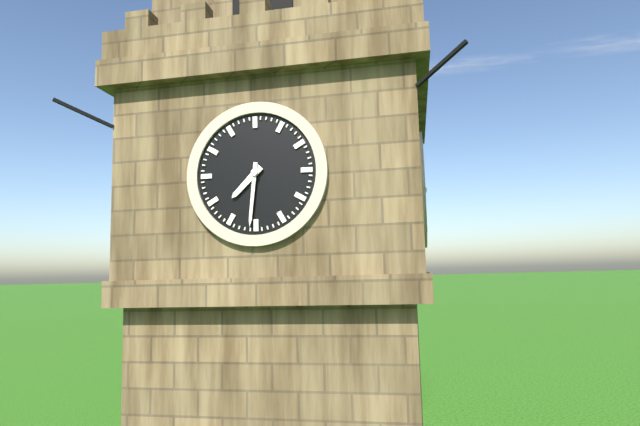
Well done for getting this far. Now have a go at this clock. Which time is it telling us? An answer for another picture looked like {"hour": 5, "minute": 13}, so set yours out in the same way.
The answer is {"hour": 7, "minute": 31}
